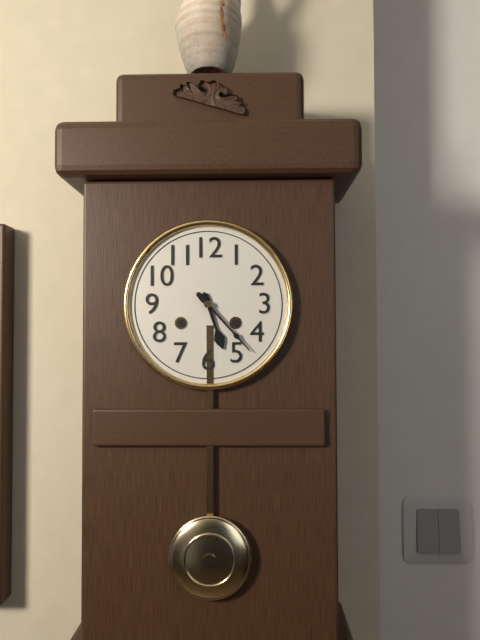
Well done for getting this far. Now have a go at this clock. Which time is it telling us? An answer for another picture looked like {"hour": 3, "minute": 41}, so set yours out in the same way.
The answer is {"hour": 5, "minute": 23}
